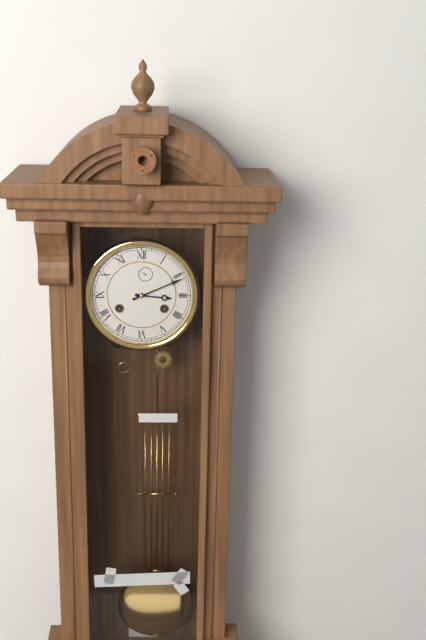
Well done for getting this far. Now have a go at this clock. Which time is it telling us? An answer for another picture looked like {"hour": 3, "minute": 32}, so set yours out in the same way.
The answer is {"hour": 3, "minute": 11}
